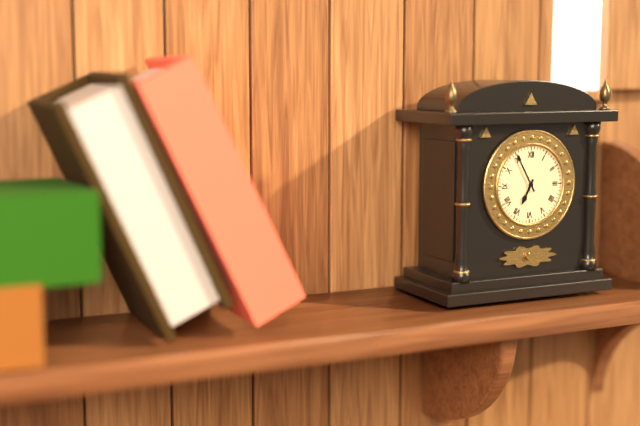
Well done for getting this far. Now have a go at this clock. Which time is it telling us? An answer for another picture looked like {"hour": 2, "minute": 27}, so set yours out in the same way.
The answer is {"hour": 6, "minute": 55}
